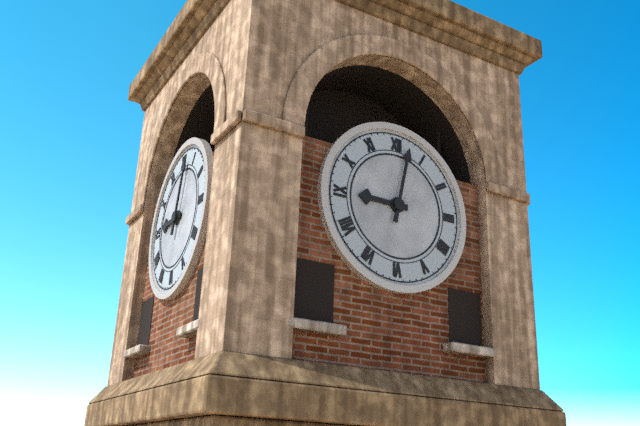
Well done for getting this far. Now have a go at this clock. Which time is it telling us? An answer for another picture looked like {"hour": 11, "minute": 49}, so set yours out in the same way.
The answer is {"hour": 9, "minute": 2}
